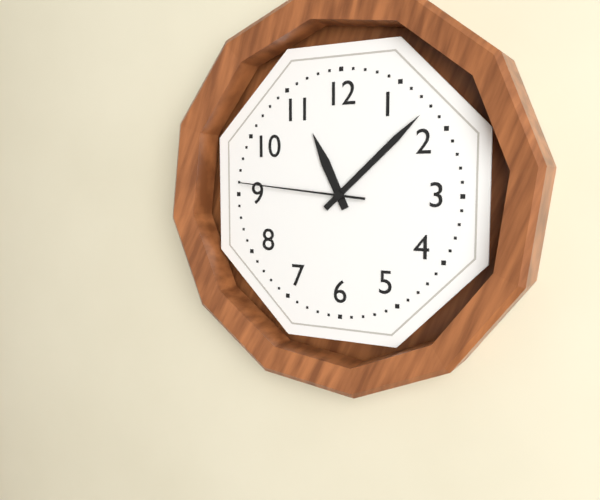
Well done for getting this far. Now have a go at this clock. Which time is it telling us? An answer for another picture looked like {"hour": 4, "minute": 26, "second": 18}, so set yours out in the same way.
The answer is {"hour": 11, "minute": 8, "second": 46}
